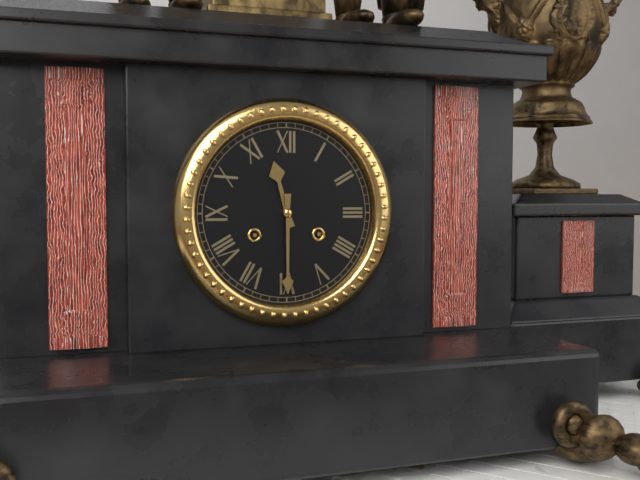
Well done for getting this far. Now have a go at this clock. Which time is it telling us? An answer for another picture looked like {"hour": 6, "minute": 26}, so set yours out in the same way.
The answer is {"hour": 11, "minute": 30}
